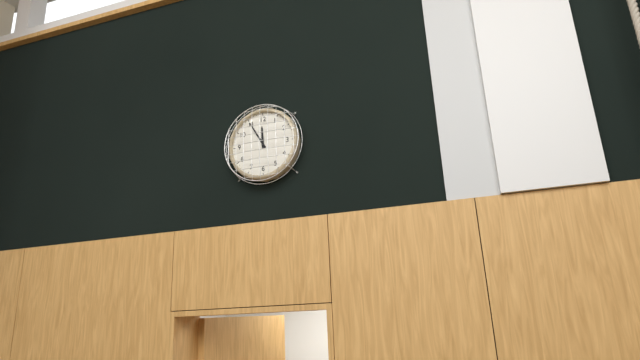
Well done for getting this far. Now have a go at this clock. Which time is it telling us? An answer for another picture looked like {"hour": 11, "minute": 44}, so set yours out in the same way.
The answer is {"hour": 11, "minute": 55}
